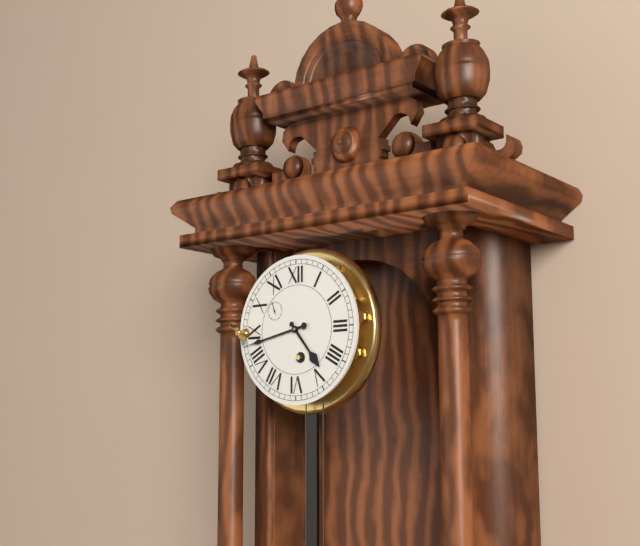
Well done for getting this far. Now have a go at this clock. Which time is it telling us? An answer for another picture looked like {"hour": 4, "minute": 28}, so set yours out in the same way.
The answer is {"hour": 4, "minute": 43}
